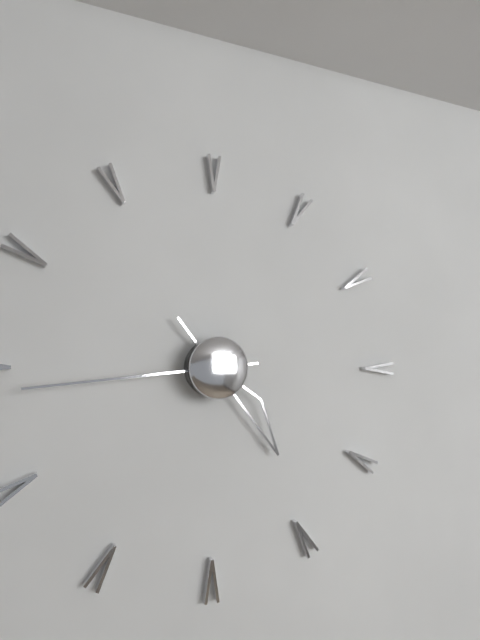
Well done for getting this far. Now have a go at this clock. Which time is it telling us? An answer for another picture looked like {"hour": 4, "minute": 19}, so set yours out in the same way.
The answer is {"hour": 4, "minute": 44}
